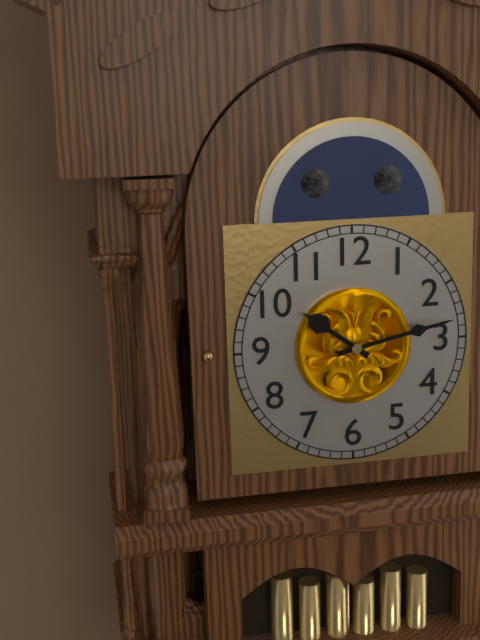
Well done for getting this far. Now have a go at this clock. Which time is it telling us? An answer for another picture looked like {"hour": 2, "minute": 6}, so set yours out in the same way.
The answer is {"hour": 10, "minute": 13}
